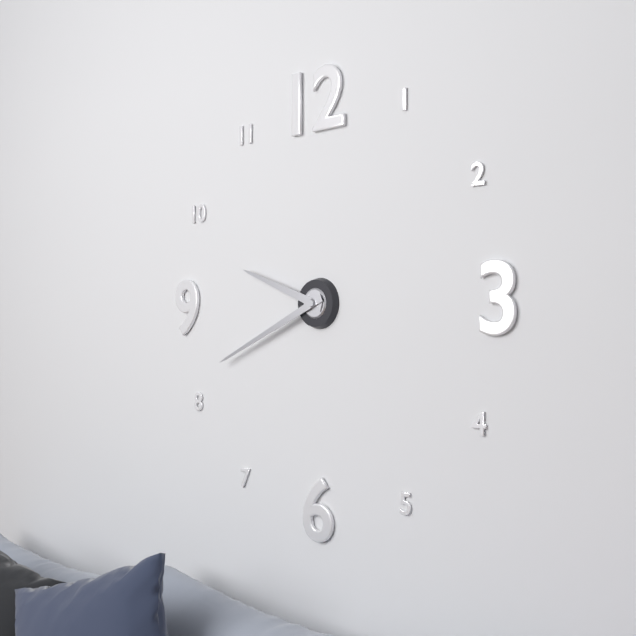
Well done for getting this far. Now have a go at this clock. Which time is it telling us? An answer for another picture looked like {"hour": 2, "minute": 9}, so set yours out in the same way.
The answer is {"hour": 9, "minute": 41}
